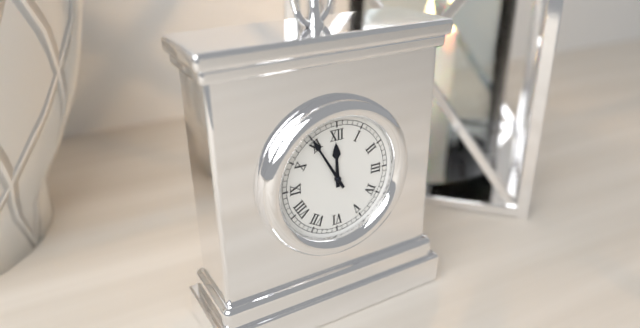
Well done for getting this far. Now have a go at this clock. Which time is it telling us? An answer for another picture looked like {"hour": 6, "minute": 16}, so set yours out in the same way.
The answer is {"hour": 11, "minute": 55}
